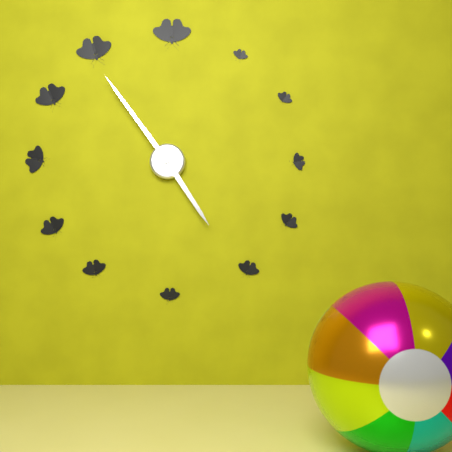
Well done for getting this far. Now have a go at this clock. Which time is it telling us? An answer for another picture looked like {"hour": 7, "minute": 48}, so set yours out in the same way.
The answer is {"hour": 4, "minute": 54}
